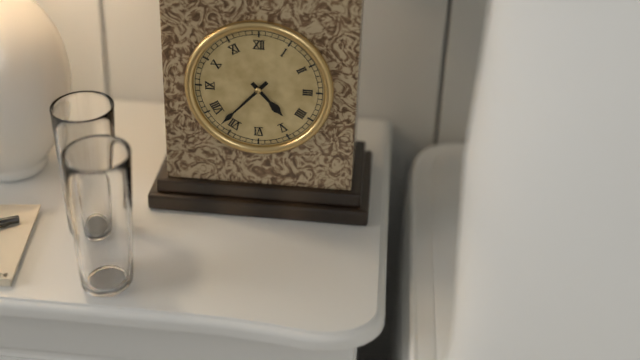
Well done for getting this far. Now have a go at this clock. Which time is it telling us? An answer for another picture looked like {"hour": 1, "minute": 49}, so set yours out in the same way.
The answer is {"hour": 4, "minute": 37}
